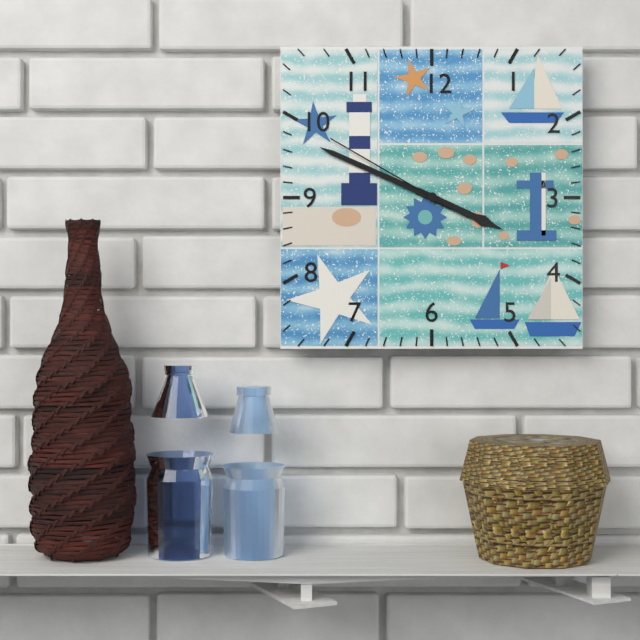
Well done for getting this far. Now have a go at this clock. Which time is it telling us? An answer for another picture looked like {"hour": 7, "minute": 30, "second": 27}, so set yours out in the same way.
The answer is {"hour": 3, "minute": 49, "second": 50}
